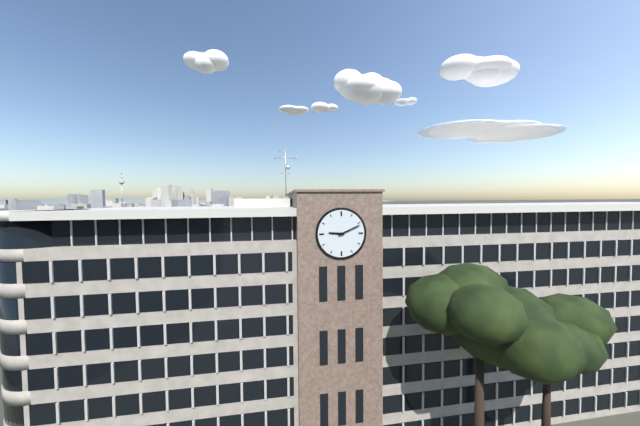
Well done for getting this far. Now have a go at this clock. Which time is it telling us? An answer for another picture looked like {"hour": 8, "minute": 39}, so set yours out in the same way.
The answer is {"hour": 9, "minute": 11}
